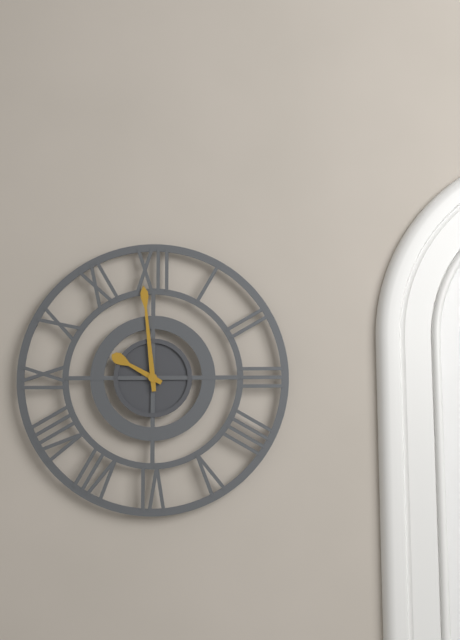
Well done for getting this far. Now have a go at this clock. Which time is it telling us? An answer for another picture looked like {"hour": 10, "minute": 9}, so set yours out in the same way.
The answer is {"hour": 9, "minute": 59}
